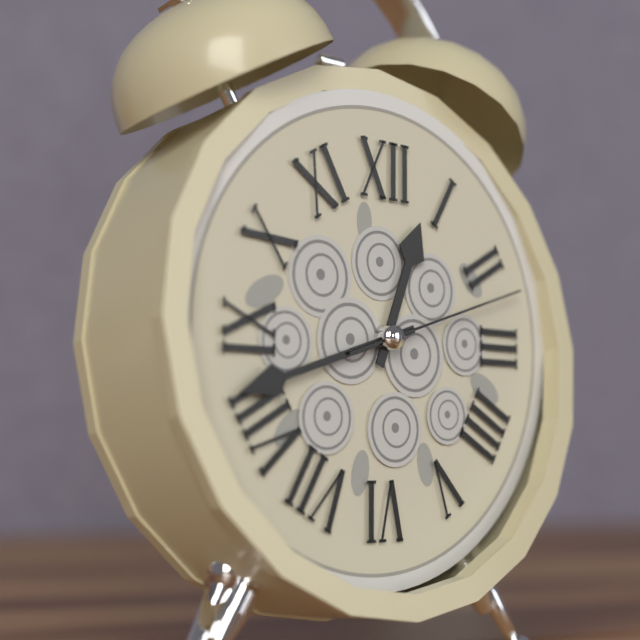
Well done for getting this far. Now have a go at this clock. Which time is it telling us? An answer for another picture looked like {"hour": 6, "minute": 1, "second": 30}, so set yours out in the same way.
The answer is {"hour": 12, "minute": 42, "second": 12}
